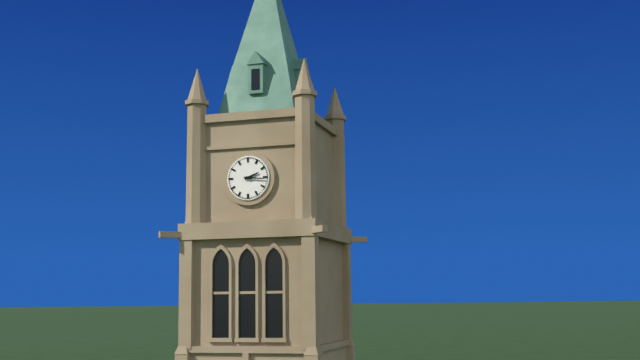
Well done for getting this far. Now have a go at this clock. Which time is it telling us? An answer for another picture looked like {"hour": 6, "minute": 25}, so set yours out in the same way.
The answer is {"hour": 2, "minute": 16}
